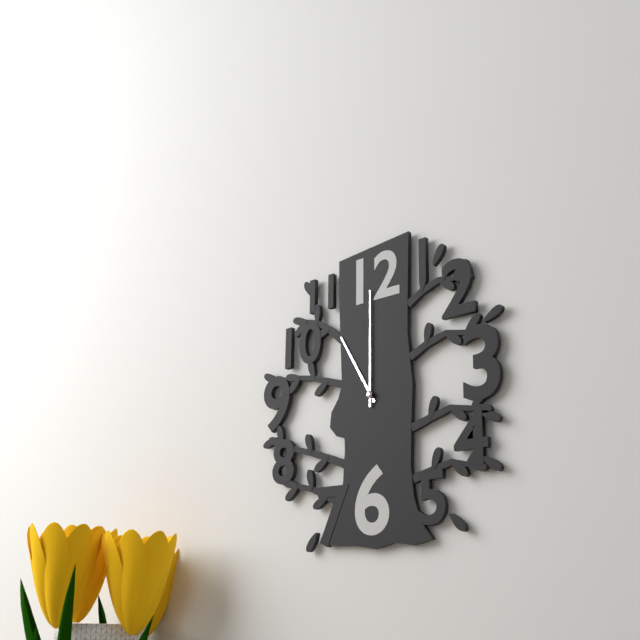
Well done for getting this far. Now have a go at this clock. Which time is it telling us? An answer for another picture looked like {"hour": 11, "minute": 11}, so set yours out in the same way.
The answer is {"hour": 11, "minute": 0}
